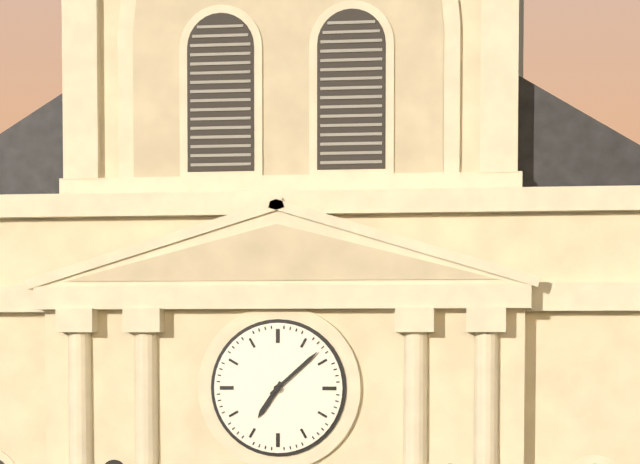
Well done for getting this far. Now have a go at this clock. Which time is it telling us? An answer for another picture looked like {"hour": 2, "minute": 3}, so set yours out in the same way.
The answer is {"hour": 7, "minute": 8}
